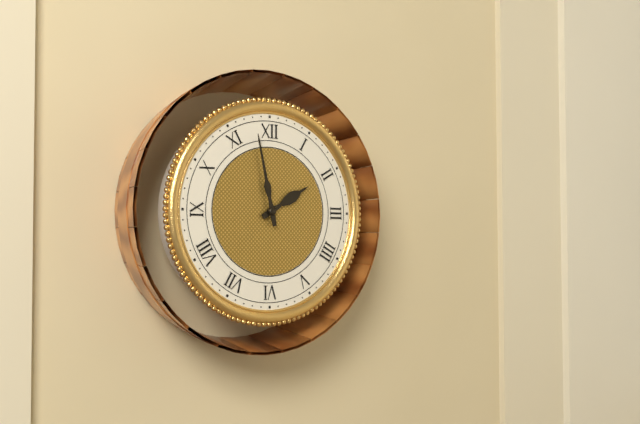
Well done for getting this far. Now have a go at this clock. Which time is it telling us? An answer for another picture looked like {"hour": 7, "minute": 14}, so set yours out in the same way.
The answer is {"hour": 1, "minute": 58}
